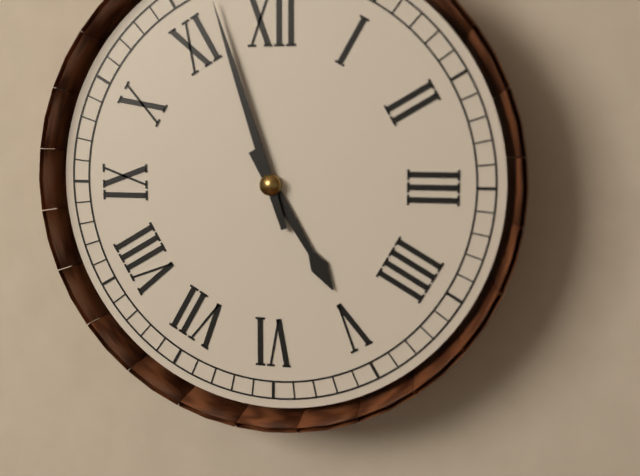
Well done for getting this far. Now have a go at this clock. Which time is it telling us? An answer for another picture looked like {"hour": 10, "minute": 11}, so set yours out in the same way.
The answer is {"hour": 4, "minute": 57}
